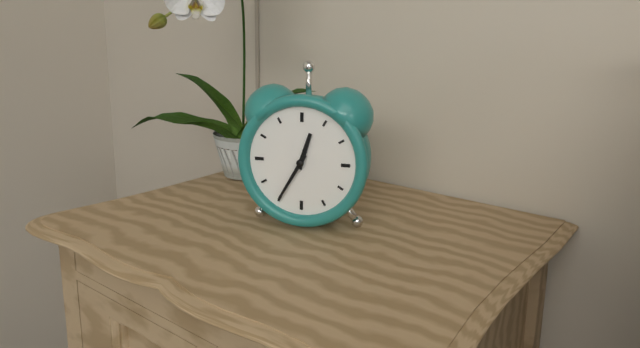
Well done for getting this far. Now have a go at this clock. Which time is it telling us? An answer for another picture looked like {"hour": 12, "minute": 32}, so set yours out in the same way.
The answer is {"hour": 12, "minute": 35}
